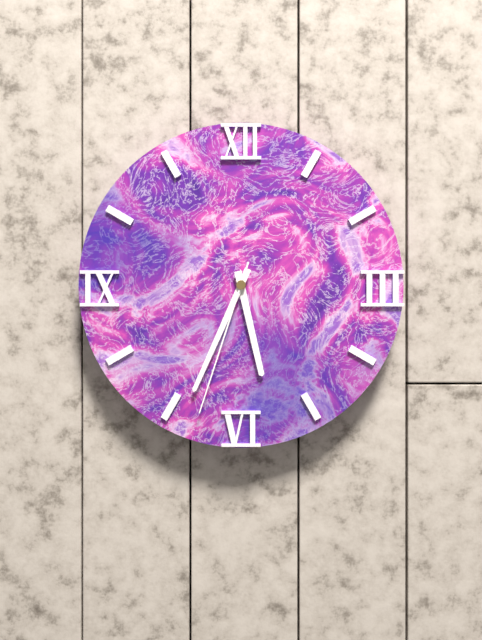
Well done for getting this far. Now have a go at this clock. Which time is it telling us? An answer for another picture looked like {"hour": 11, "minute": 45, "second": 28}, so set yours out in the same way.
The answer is {"hour": 5, "minute": 34, "second": 33}
